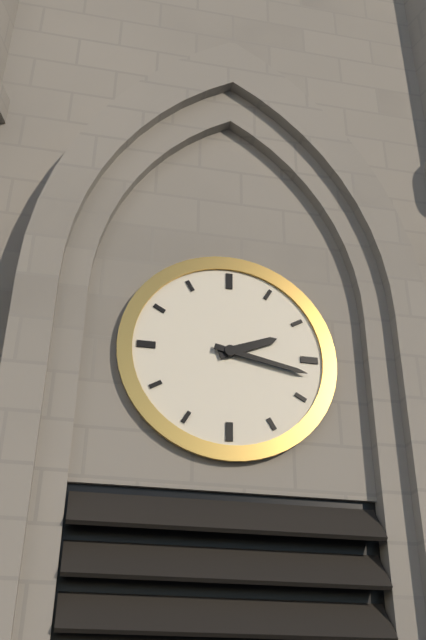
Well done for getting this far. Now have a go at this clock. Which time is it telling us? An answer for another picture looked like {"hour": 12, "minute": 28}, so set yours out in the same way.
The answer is {"hour": 2, "minute": 17}
